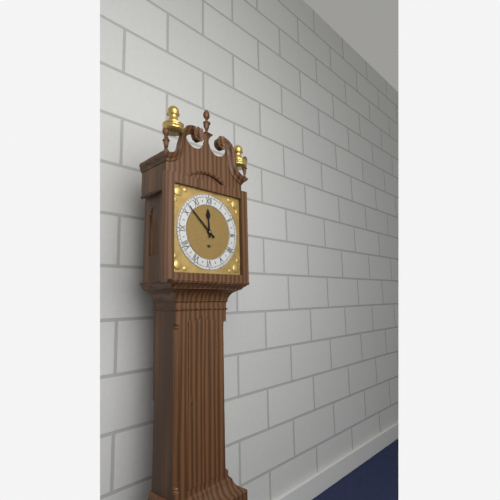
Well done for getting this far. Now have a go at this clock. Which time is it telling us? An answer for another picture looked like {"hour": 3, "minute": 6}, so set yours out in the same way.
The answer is {"hour": 11, "minute": 52}
